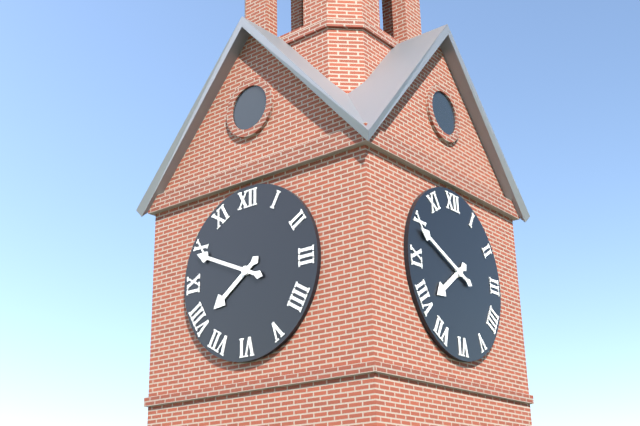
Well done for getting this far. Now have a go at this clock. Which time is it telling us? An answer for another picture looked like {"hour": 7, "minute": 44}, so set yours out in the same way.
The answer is {"hour": 7, "minute": 49}
